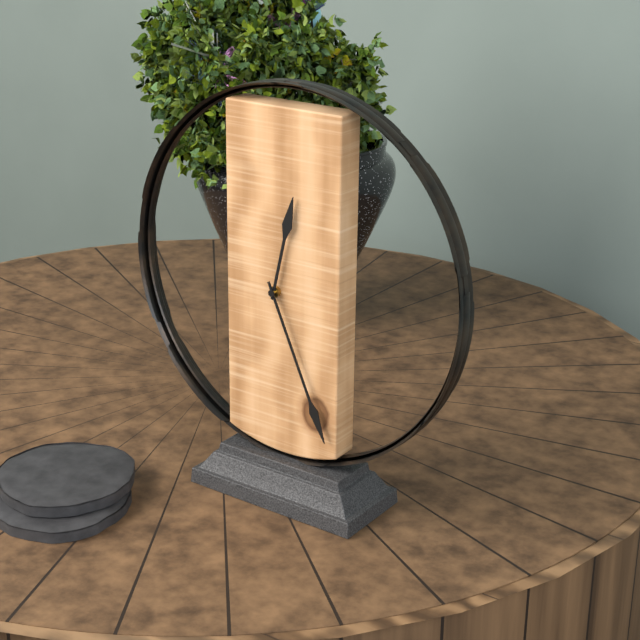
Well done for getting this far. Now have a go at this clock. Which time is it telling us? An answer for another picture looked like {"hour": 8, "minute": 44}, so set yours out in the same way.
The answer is {"hour": 12, "minute": 26}
